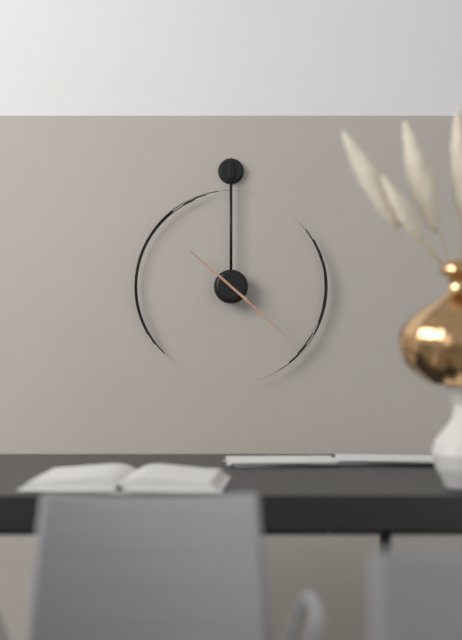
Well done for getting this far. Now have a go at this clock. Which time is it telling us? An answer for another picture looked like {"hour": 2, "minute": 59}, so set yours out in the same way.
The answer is {"hour": 10, "minute": 22}
